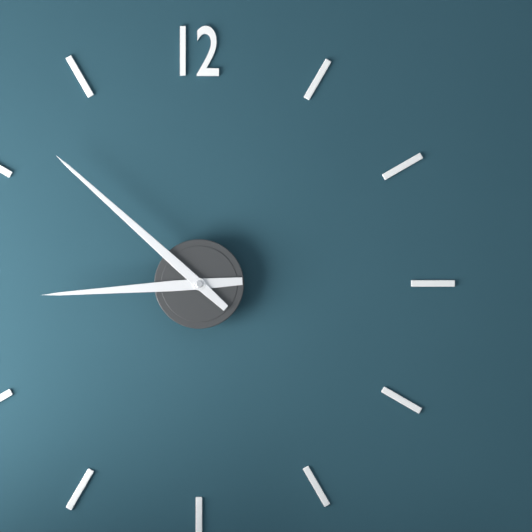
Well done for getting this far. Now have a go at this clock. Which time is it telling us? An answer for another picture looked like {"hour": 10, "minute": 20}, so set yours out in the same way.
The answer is {"hour": 8, "minute": 52}
